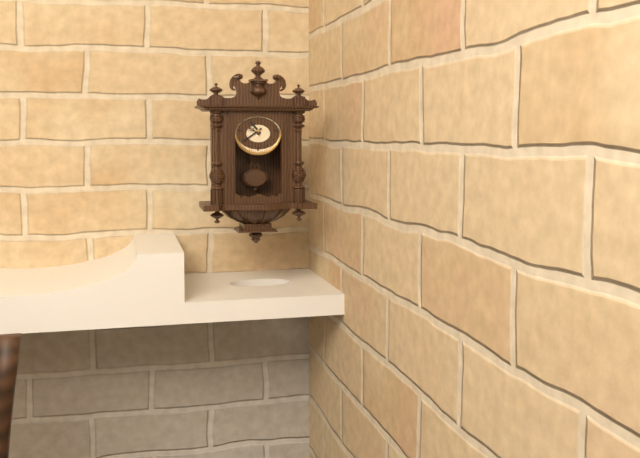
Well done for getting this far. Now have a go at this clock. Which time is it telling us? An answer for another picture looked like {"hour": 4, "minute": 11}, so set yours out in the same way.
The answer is {"hour": 10, "minute": 39}
